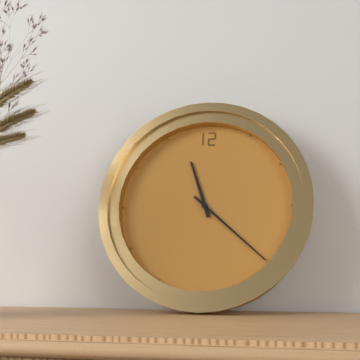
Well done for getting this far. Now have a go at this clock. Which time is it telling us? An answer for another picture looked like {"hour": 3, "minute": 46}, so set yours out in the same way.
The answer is {"hour": 11, "minute": 22}
